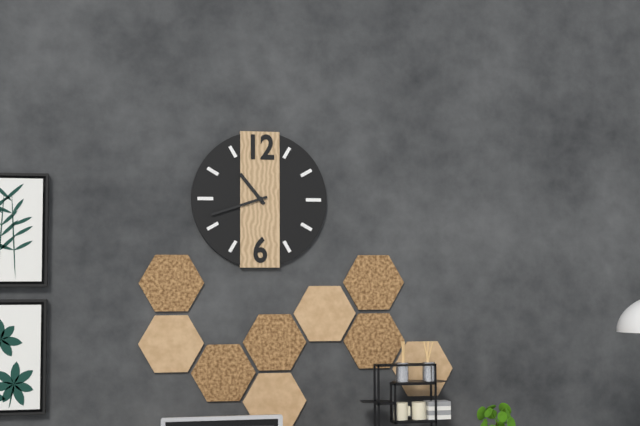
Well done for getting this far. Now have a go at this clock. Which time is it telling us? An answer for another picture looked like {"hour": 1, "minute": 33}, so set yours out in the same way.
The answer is {"hour": 10, "minute": 42}
